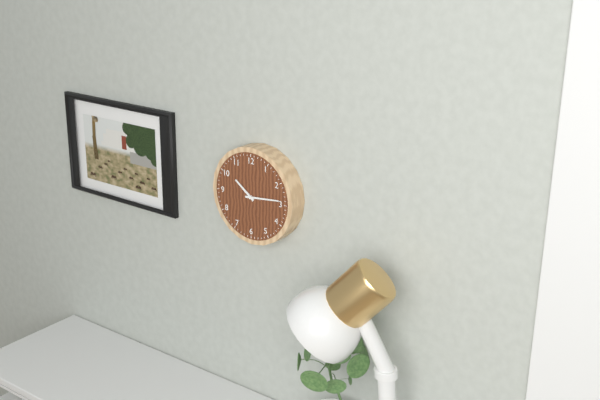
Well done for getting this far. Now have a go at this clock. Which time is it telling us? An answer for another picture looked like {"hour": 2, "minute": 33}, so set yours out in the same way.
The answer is {"hour": 10, "minute": 14}
